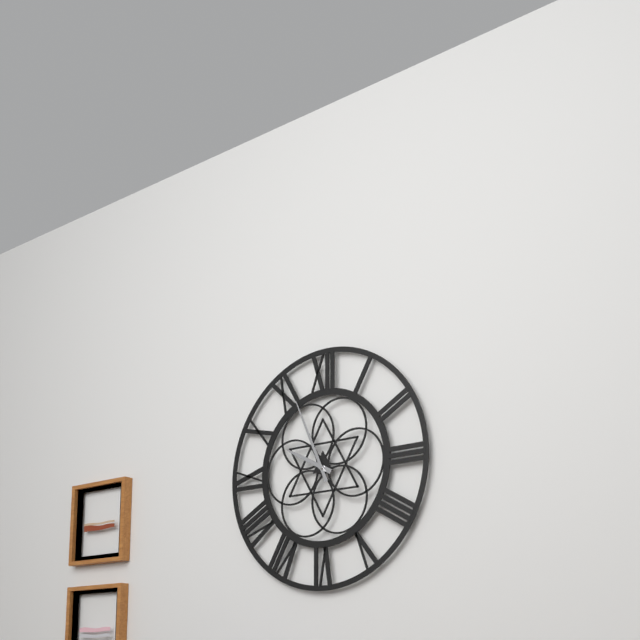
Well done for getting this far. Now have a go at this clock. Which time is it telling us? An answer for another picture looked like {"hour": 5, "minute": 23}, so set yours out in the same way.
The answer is {"hour": 9, "minute": 56}
